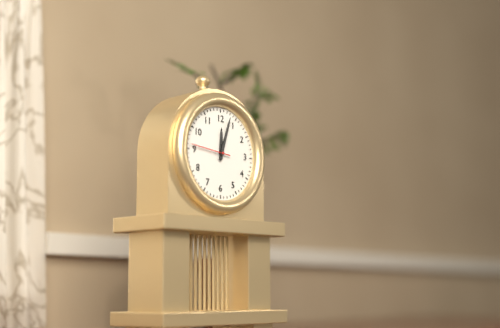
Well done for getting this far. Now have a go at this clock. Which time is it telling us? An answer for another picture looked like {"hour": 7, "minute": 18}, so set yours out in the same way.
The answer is {"hour": 12, "minute": 3}
